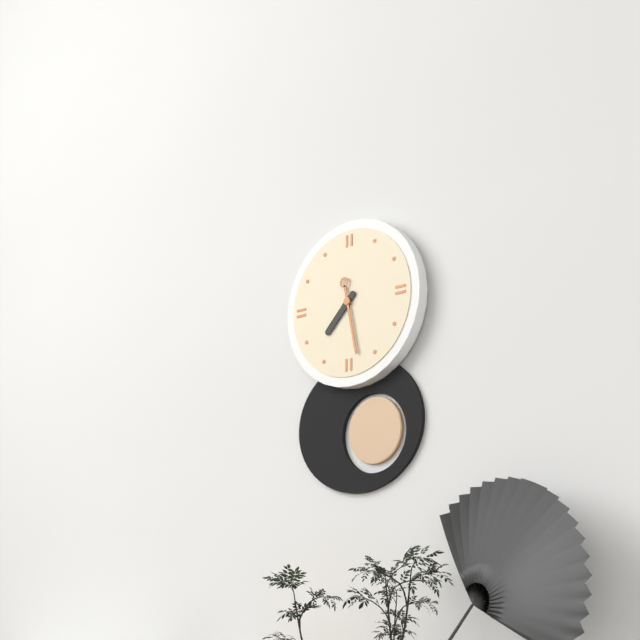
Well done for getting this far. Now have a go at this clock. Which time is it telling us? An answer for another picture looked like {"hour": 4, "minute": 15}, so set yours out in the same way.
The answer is {"hour": 7, "minute": 28}
